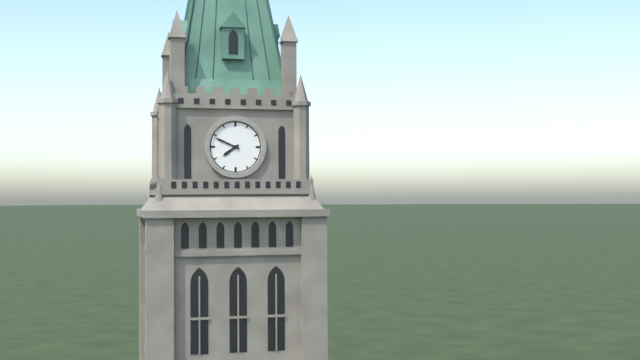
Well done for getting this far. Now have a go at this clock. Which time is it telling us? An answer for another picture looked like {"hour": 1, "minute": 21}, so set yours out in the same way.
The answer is {"hour": 7, "minute": 49}
